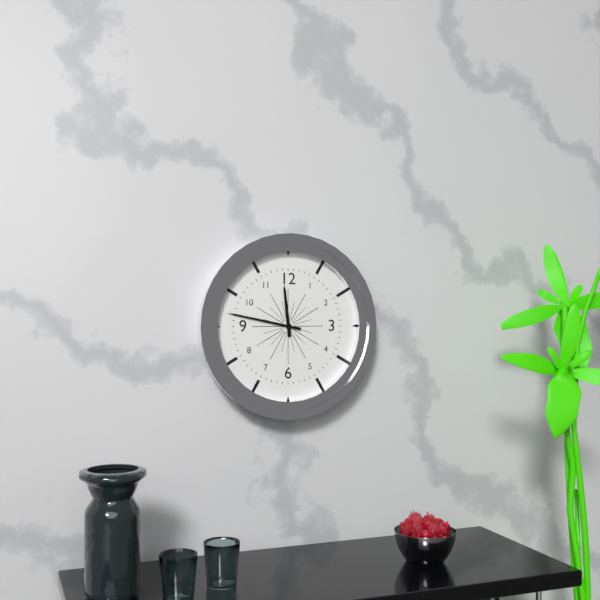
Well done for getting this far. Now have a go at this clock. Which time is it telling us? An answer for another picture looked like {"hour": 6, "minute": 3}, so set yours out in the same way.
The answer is {"hour": 11, "minute": 47}
